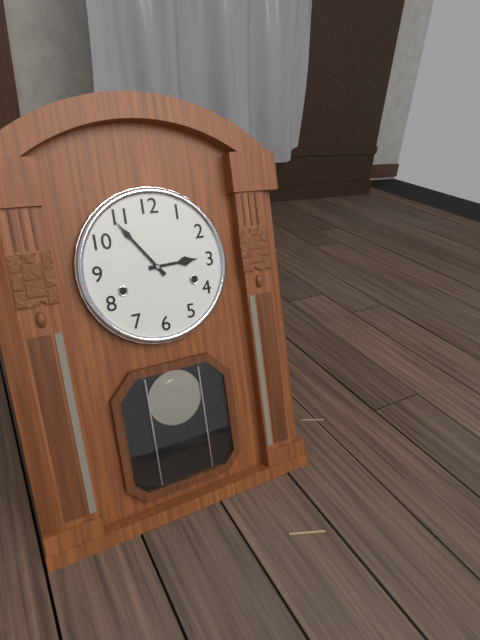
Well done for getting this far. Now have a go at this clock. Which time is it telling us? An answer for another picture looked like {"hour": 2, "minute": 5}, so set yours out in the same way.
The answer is {"hour": 2, "minute": 54}
